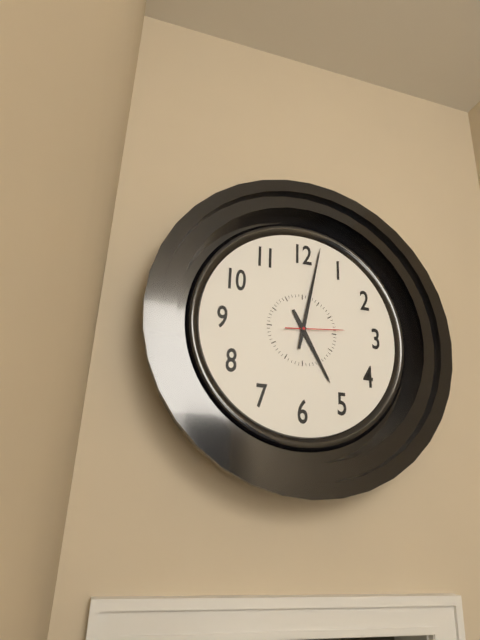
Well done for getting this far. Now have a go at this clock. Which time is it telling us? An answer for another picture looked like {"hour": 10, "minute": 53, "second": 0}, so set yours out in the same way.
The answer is {"hour": 5, "minute": 2, "second": 14}
